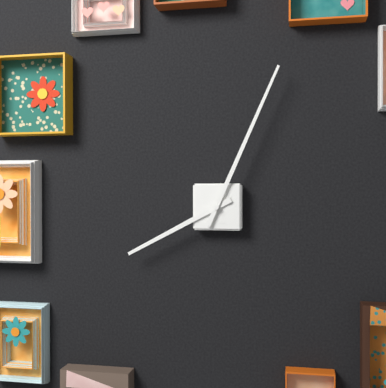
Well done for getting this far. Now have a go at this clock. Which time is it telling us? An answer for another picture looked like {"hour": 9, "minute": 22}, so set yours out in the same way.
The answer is {"hour": 8, "minute": 4}
